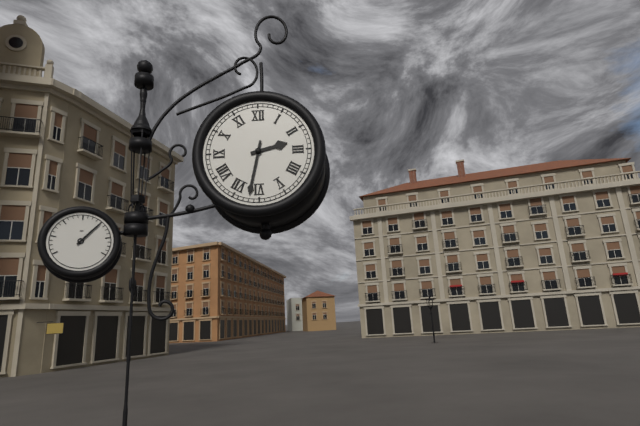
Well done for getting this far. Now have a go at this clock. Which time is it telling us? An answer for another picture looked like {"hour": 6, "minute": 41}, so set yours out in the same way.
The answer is {"hour": 2, "minute": 32}
